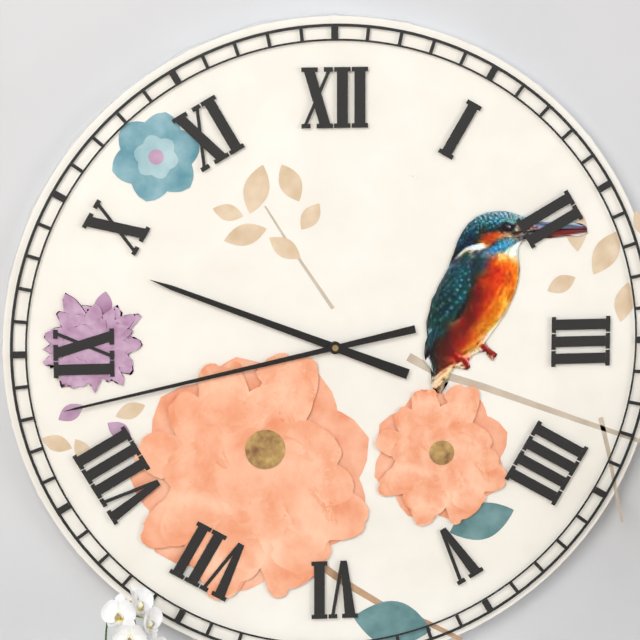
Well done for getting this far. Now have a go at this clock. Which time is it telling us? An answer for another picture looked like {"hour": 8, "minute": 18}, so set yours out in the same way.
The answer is {"hour": 9, "minute": 43}
